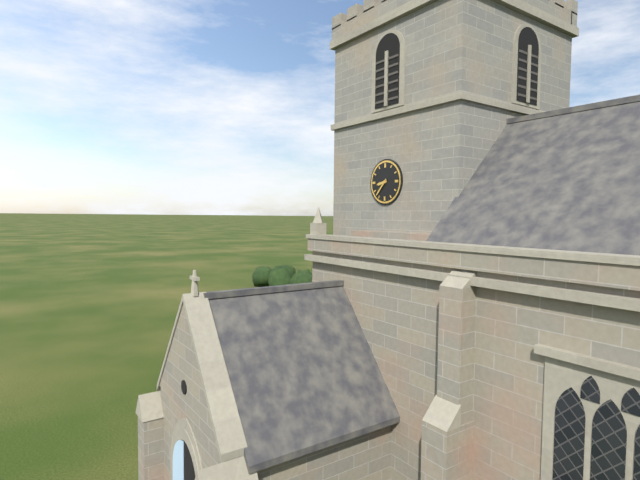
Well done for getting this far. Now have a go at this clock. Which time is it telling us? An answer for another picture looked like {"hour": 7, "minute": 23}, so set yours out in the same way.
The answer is {"hour": 8, "minute": 37}
